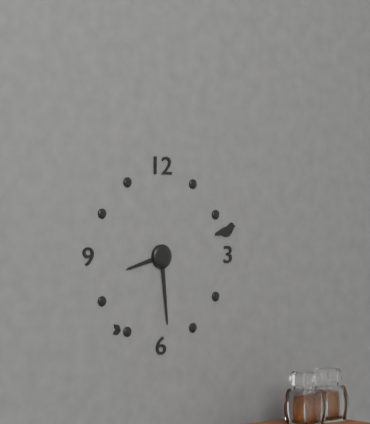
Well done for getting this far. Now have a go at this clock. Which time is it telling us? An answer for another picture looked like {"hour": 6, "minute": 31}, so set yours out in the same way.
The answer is {"hour": 8, "minute": 29}
